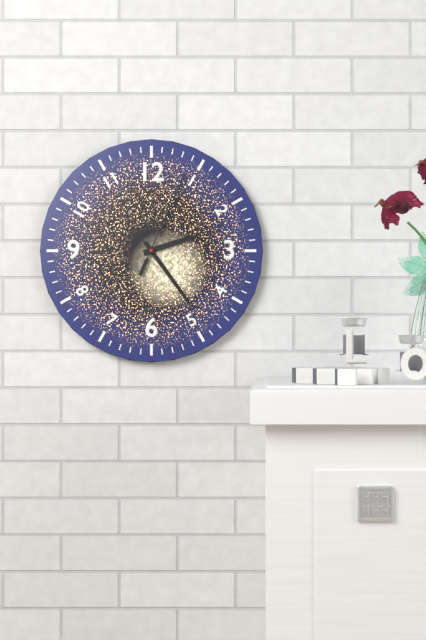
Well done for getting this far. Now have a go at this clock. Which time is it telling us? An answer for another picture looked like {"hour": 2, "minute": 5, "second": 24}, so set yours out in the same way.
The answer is {"hour": 2, "minute": 24, "second": 4}
